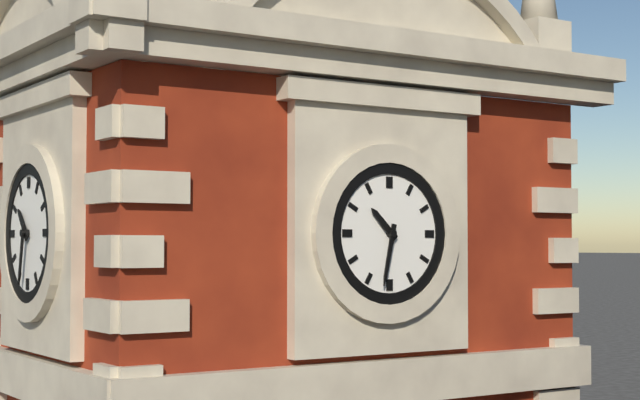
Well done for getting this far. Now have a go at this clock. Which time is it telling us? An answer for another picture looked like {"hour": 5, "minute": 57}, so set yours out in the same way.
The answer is {"hour": 10, "minute": 32}
